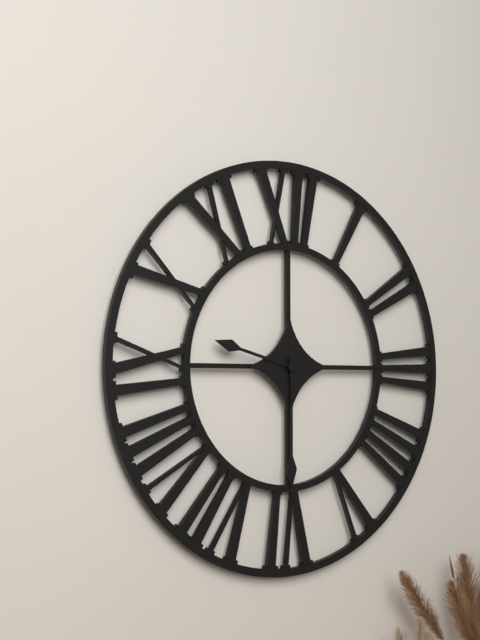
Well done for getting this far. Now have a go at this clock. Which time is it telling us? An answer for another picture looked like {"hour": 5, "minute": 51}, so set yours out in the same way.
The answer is {"hour": 9, "minute": 30}
